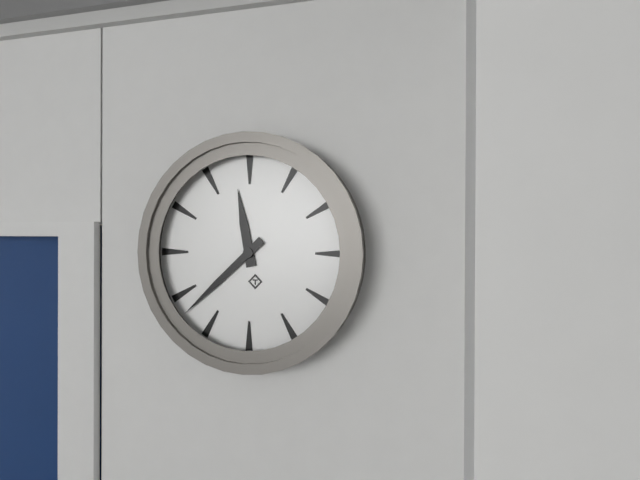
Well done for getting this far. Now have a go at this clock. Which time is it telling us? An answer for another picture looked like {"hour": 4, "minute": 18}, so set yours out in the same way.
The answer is {"hour": 11, "minute": 38}
